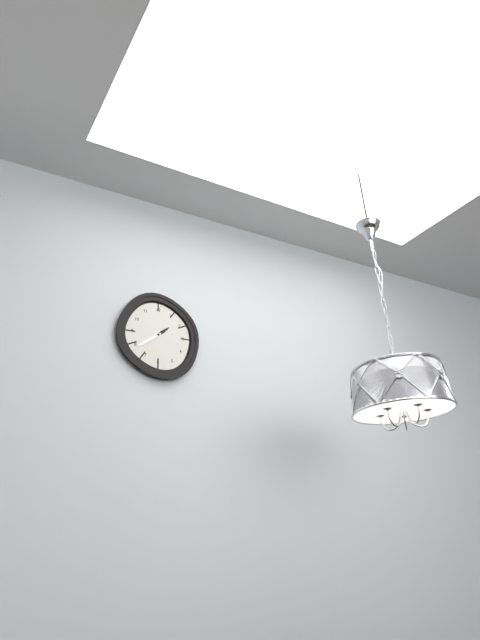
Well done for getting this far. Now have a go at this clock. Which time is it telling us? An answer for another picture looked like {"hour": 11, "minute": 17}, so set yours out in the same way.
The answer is {"hour": 1, "minute": 39}
